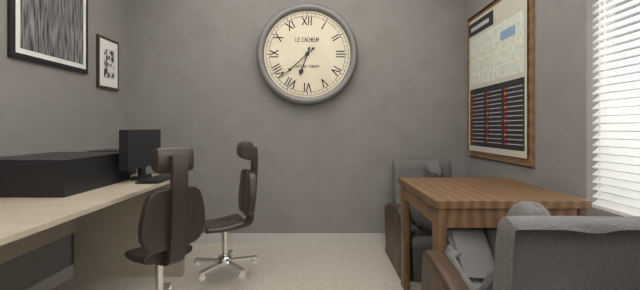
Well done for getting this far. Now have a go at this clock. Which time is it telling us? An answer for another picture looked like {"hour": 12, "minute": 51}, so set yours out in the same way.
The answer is {"hour": 6, "minute": 38}
